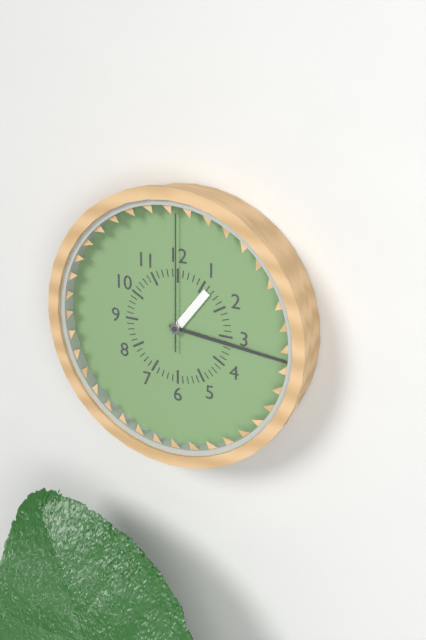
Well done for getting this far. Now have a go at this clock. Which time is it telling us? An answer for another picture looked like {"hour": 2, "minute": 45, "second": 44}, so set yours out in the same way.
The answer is {"hour": 1, "minute": 16, "second": 0}
